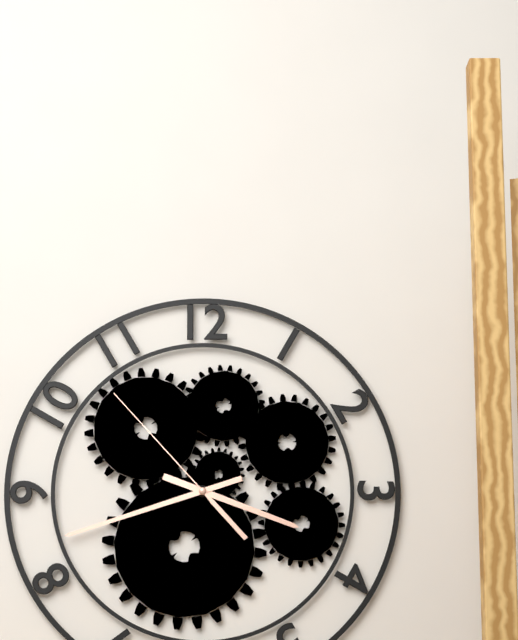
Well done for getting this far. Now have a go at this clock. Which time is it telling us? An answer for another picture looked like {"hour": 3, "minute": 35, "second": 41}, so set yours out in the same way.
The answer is {"hour": 3, "minute": 42, "second": 53}
